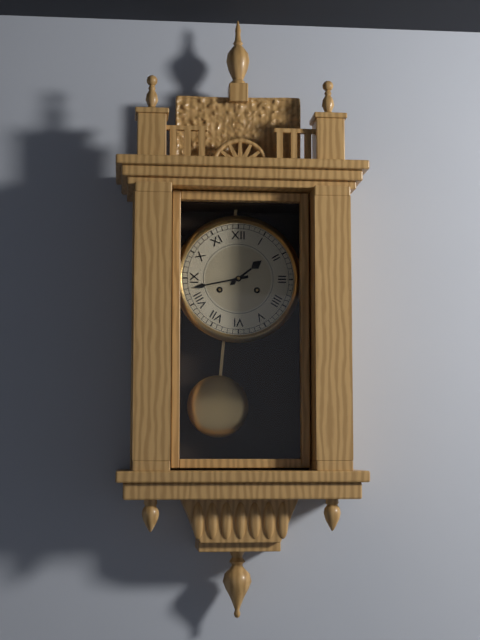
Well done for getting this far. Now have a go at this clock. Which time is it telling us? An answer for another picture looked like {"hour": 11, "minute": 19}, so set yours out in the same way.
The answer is {"hour": 1, "minute": 43}
